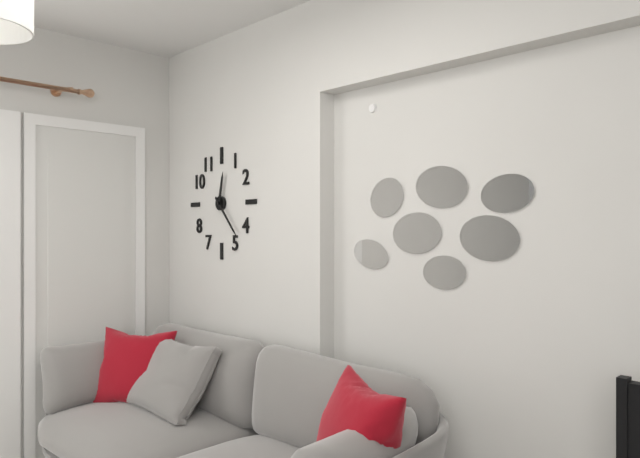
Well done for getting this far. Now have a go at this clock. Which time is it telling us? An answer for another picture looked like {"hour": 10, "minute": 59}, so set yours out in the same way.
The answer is {"hour": 12, "minute": 23}
